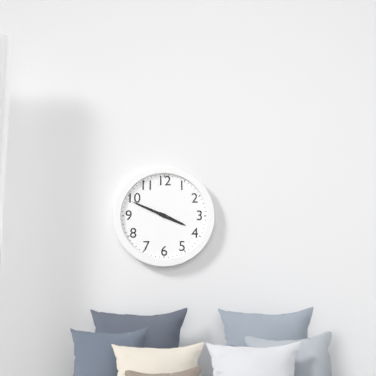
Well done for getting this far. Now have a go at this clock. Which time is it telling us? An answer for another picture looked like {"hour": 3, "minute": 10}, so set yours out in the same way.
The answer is {"hour": 3, "minute": 49}
